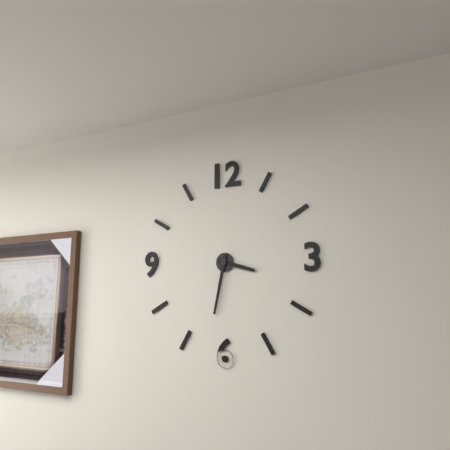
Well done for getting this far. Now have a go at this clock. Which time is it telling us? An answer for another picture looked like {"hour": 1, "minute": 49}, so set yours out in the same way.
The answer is {"hour": 3, "minute": 32}
